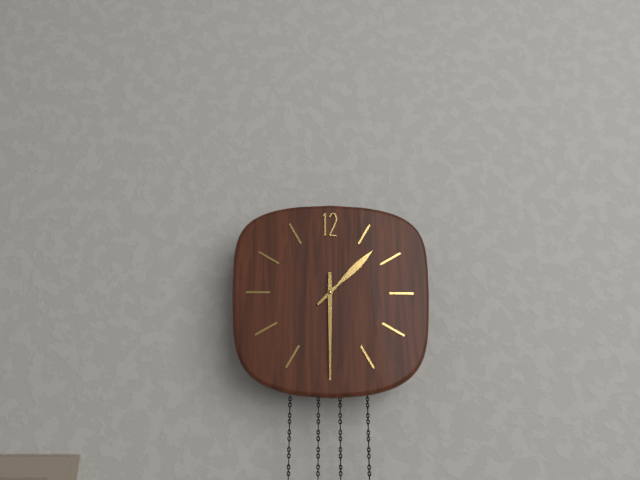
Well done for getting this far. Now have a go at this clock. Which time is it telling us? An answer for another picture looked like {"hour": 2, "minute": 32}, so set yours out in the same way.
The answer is {"hour": 1, "minute": 30}
